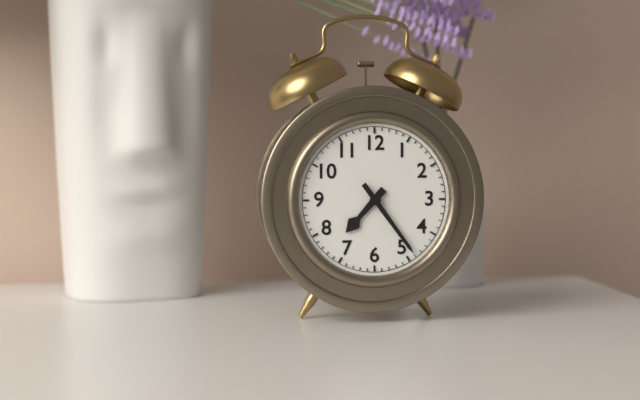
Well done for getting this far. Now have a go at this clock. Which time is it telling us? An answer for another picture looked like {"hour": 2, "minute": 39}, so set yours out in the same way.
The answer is {"hour": 7, "minute": 24}
